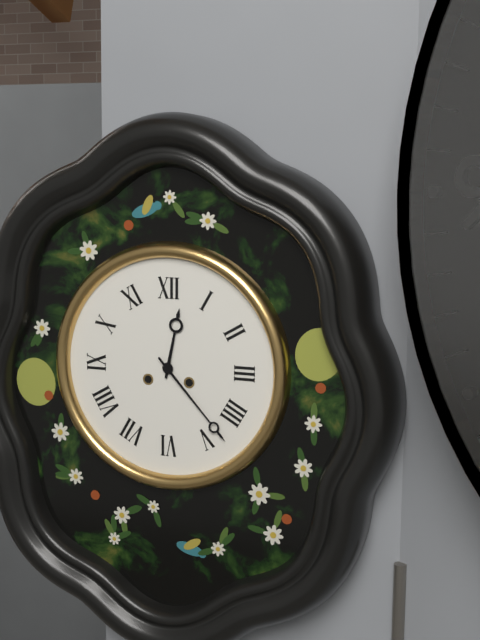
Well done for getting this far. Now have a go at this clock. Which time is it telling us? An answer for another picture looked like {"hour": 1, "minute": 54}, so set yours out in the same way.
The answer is {"hour": 12, "minute": 23}
